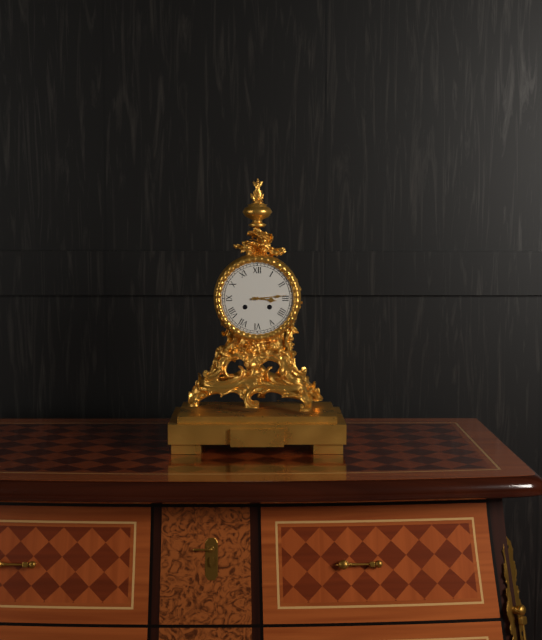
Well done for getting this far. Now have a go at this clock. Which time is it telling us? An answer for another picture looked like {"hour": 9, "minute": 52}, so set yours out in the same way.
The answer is {"hour": 3, "minute": 14}
